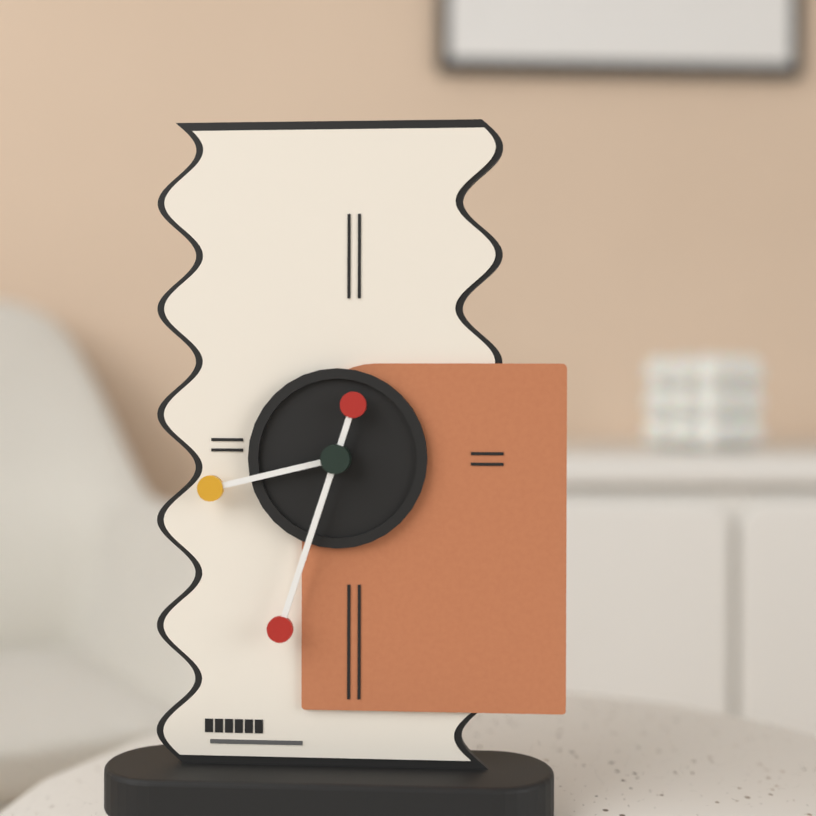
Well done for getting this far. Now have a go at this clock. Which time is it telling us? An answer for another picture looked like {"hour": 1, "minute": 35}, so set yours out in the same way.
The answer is {"hour": 8, "minute": 33}
